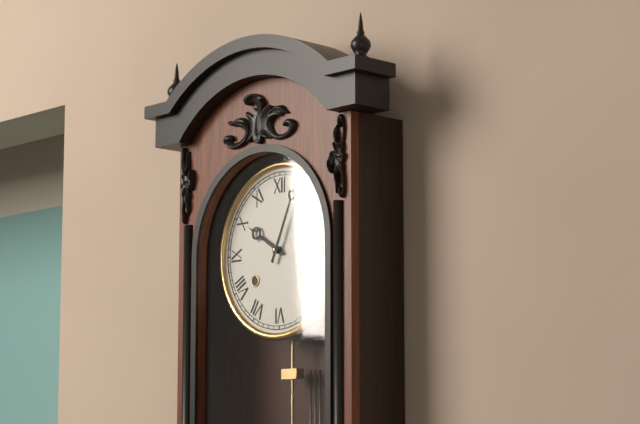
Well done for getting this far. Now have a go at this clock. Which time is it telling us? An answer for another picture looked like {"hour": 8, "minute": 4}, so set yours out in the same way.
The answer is {"hour": 10, "minute": 4}
